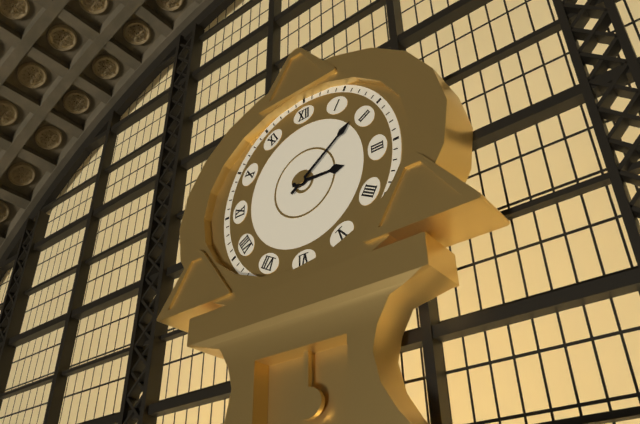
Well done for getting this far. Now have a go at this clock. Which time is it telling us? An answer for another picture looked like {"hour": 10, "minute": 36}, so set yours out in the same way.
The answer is {"hour": 3, "minute": 9}
